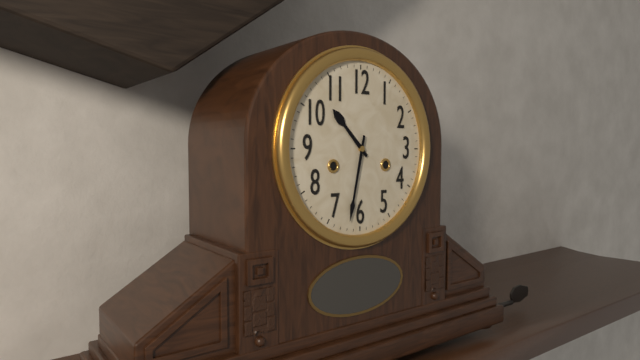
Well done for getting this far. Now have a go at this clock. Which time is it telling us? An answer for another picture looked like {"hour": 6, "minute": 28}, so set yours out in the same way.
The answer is {"hour": 10, "minute": 32}
